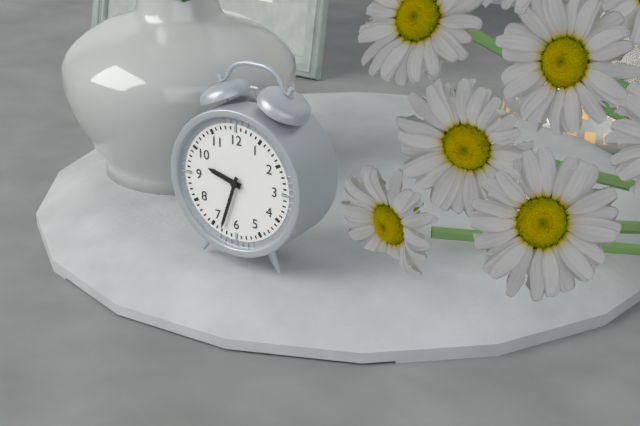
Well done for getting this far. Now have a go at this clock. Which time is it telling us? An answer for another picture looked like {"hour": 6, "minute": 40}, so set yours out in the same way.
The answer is {"hour": 9, "minute": 33}
